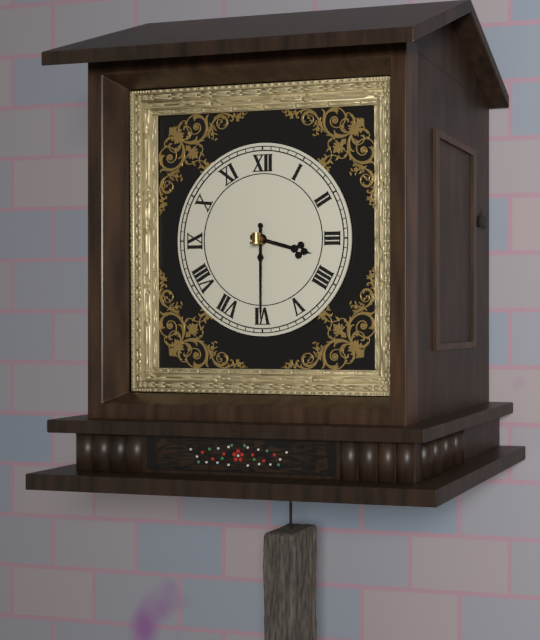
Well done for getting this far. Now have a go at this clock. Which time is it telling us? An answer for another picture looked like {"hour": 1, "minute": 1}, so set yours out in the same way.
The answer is {"hour": 3, "minute": 30}
